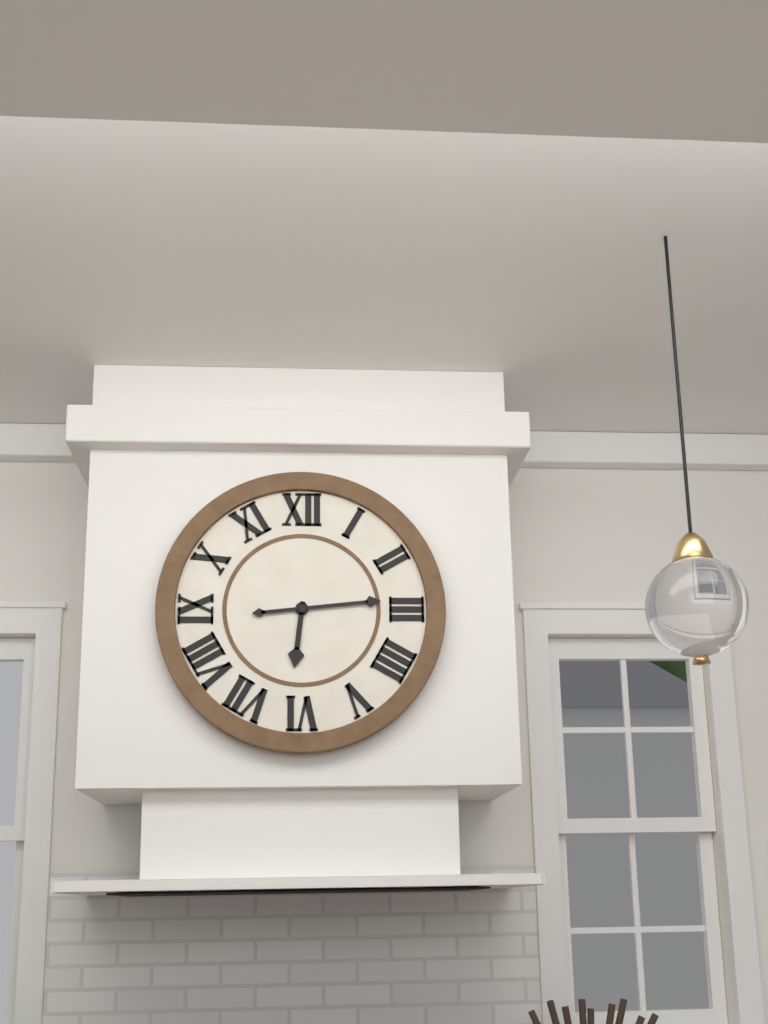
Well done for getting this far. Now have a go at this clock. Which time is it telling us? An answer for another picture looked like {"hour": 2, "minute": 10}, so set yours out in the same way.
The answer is {"hour": 6, "minute": 14}
